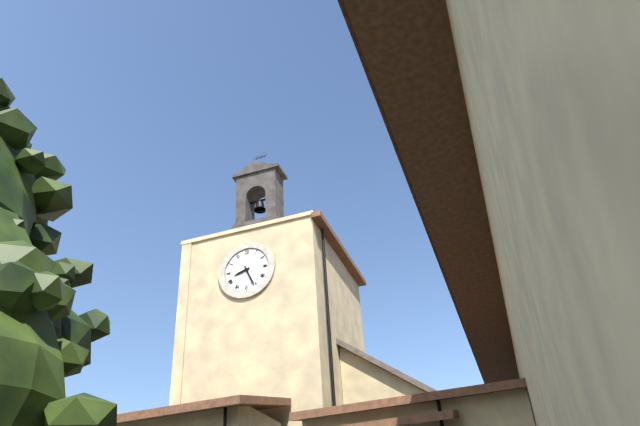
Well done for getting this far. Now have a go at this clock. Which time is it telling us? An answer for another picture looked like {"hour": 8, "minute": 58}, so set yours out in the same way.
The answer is {"hour": 8, "minute": 26}
